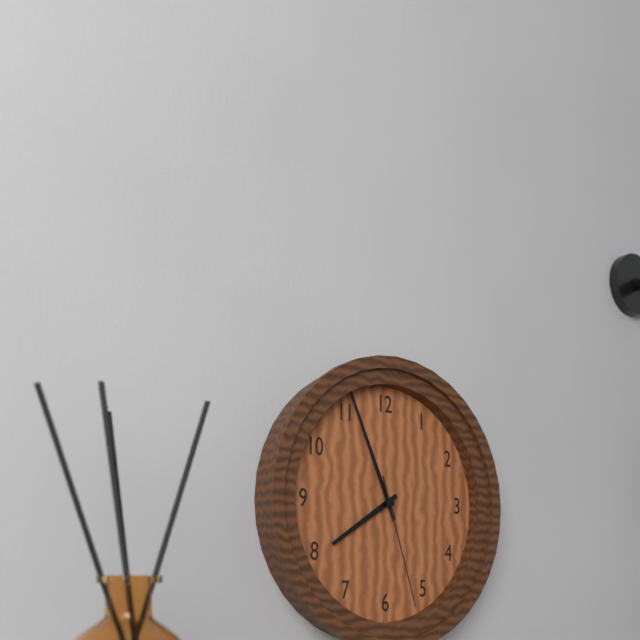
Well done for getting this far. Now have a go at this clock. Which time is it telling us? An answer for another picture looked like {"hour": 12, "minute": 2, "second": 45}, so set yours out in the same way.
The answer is {"hour": 7, "minute": 56, "second": 27}
